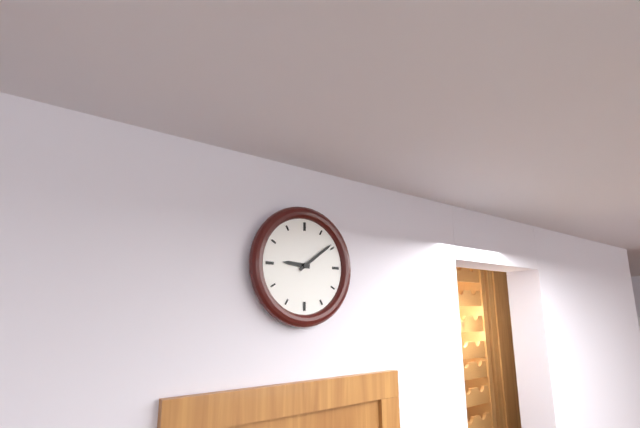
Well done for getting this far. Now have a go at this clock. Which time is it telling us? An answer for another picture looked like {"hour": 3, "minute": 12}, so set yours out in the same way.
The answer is {"hour": 9, "minute": 9}
